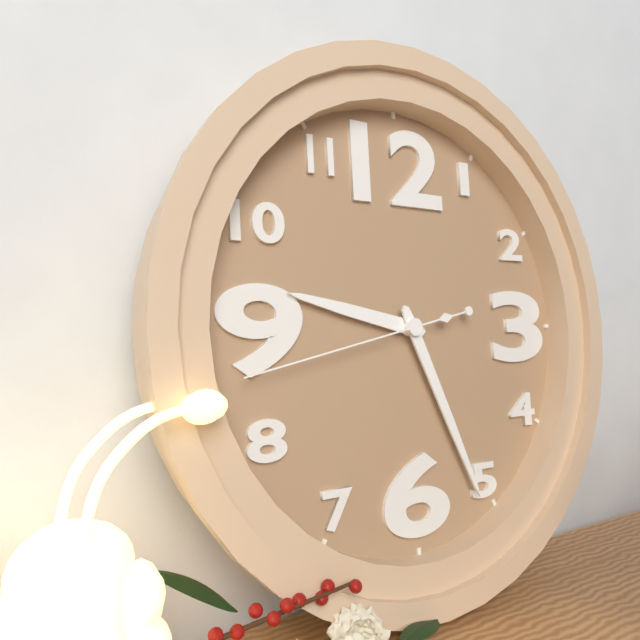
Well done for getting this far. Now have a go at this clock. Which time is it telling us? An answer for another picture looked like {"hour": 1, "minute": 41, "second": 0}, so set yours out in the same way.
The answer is {"hour": 9, "minute": 26, "second": 43}
